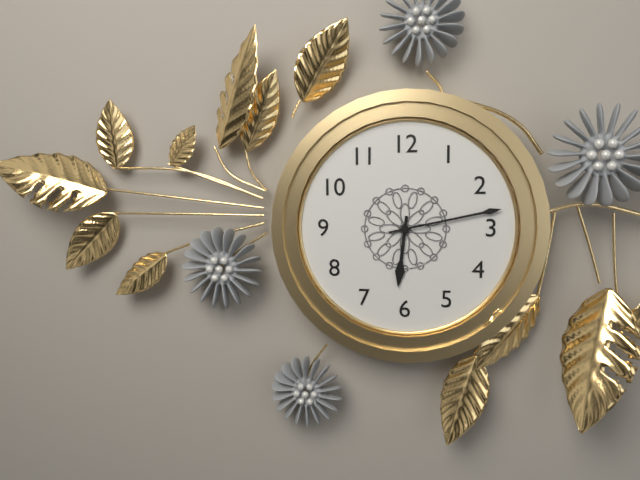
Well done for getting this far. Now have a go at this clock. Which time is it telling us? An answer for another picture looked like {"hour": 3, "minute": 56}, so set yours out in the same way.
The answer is {"hour": 6, "minute": 13}
